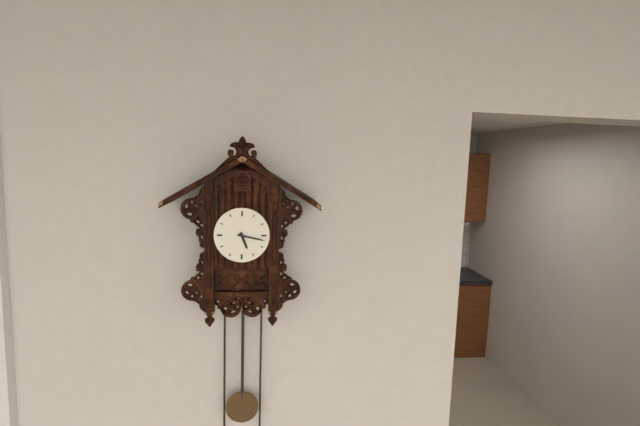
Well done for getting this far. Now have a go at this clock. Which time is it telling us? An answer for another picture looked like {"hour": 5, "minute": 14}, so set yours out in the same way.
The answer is {"hour": 5, "minute": 17}
